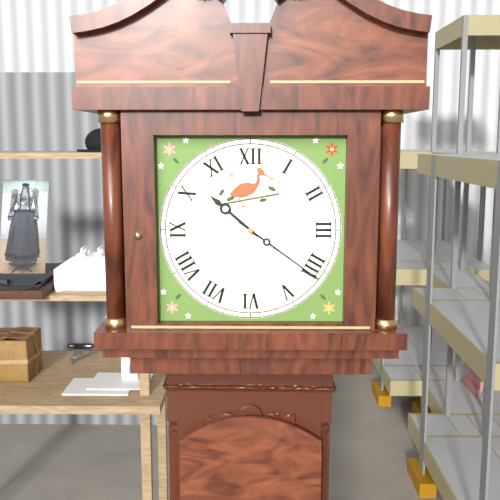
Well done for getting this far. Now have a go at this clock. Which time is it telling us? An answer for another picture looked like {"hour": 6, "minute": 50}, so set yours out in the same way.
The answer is {"hour": 10, "minute": 21}
